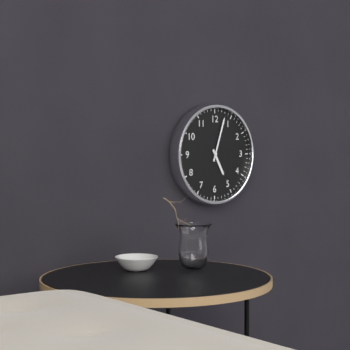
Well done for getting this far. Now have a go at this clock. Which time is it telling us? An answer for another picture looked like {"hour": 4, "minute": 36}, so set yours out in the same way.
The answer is {"hour": 5, "minute": 3}
